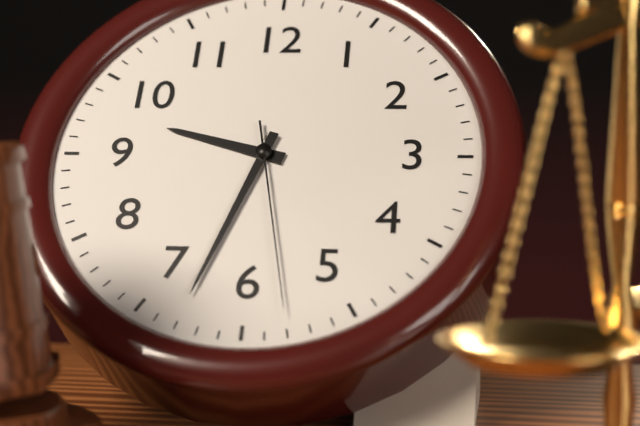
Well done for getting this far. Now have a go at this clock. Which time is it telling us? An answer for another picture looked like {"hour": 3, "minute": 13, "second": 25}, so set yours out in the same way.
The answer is {"hour": 9, "minute": 33, "second": 28}
